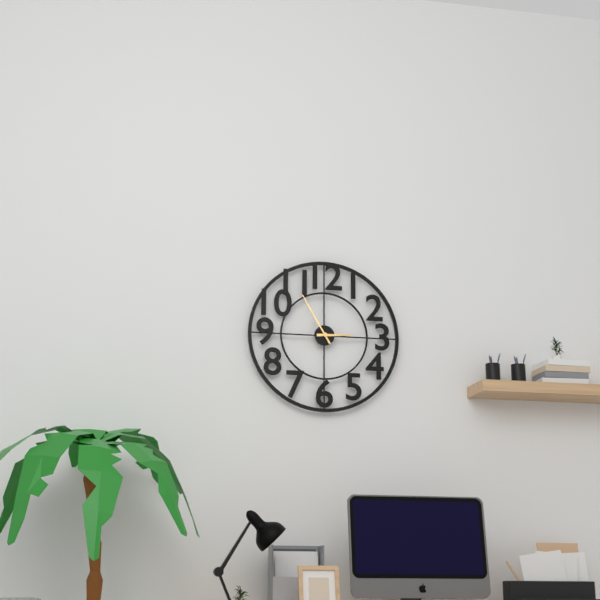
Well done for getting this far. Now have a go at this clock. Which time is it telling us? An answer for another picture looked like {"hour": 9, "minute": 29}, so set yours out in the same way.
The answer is {"hour": 2, "minute": 55}
